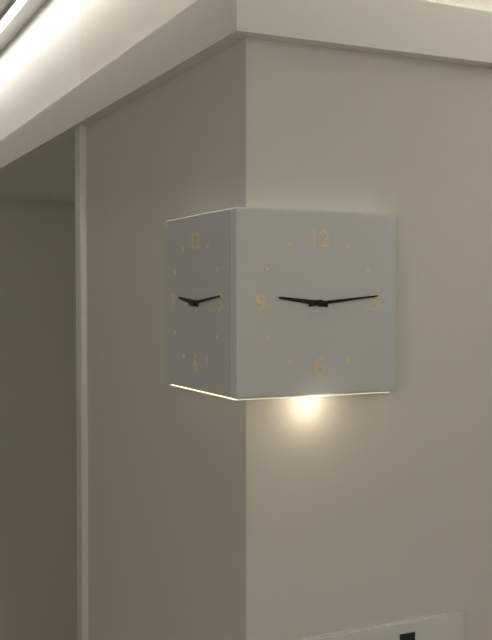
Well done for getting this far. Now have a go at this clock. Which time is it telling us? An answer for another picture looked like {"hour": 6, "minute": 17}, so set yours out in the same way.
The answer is {"hour": 9, "minute": 14}
